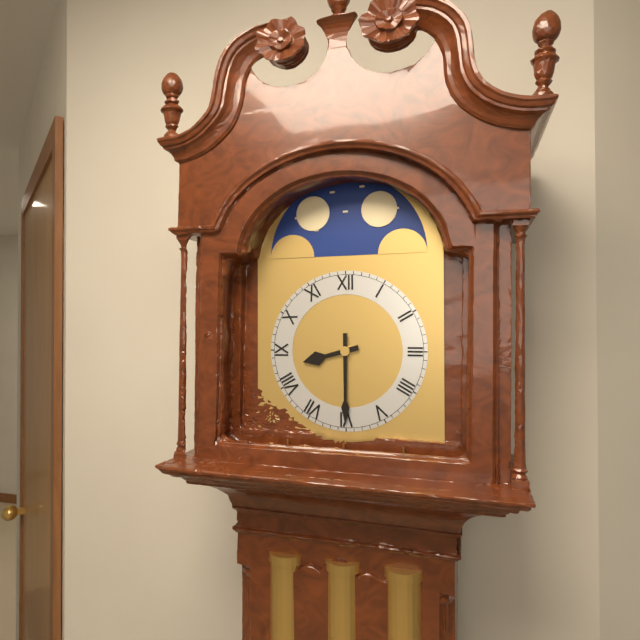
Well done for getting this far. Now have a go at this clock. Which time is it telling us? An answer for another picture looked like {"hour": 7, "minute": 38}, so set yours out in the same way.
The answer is {"hour": 8, "minute": 30}
